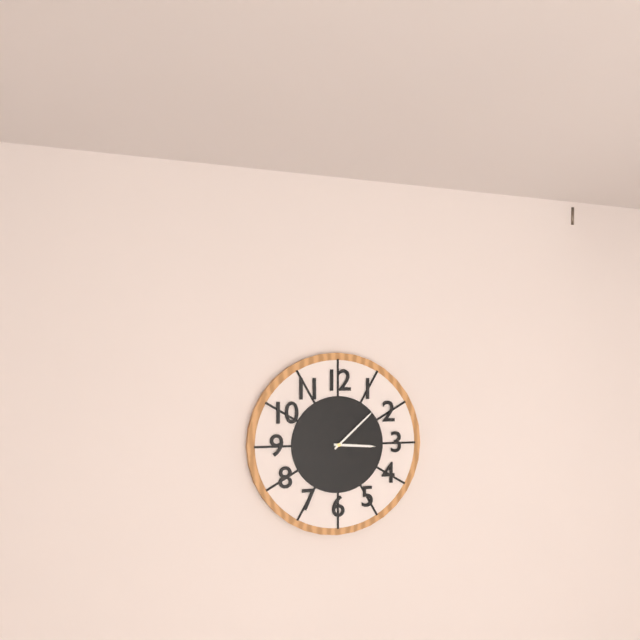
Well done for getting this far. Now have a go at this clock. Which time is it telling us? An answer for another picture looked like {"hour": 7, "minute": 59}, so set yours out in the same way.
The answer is {"hour": 3, "minute": 8}
